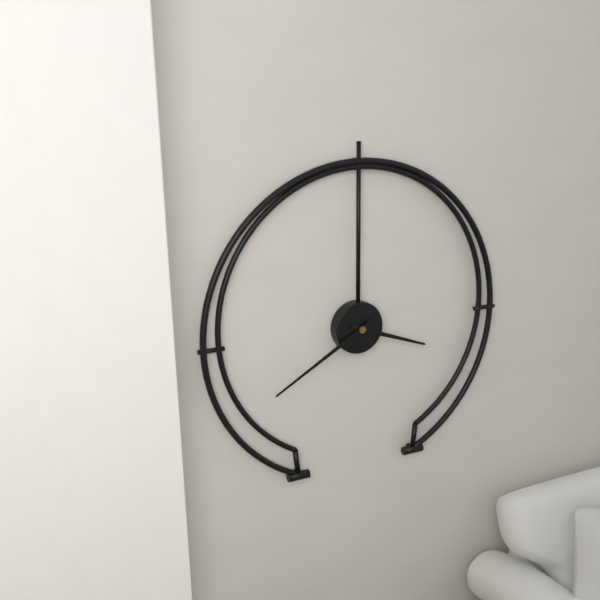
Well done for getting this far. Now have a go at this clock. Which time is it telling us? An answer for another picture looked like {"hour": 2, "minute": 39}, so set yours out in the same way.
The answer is {"hour": 3, "minute": 40}
